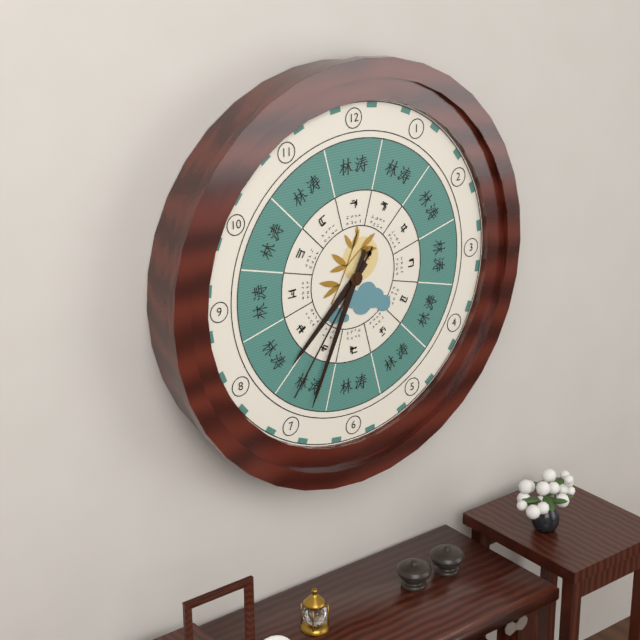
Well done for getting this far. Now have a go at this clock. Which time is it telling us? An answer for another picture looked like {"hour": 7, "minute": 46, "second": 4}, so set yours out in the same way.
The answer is {"hour": 7, "minute": 34, "second": 36}
